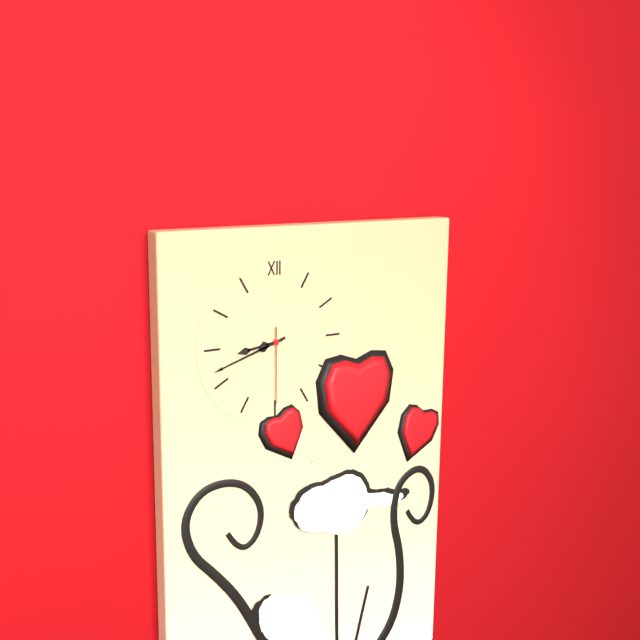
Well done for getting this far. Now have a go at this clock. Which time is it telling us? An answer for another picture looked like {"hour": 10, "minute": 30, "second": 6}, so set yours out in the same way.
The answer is {"hour": 8, "minute": 42, "second": 30}
